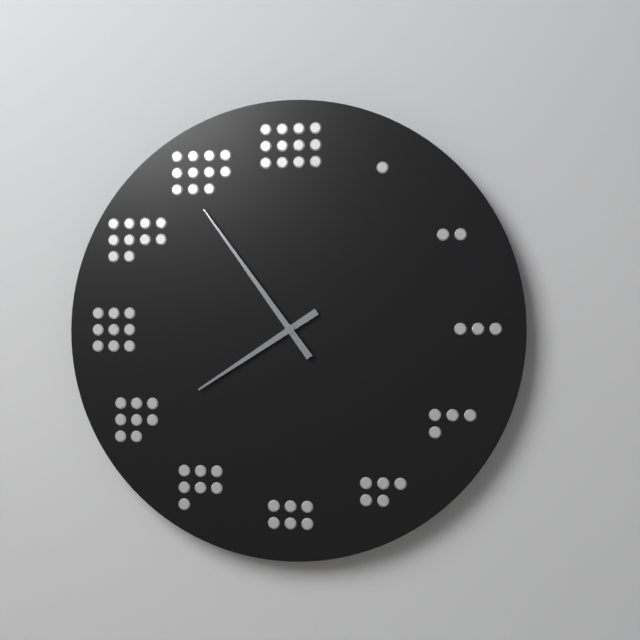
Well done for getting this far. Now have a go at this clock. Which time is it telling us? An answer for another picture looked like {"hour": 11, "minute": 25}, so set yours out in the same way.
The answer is {"hour": 7, "minute": 54}
